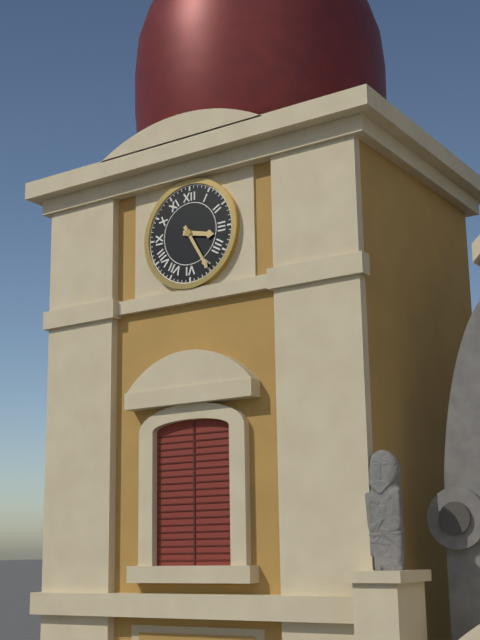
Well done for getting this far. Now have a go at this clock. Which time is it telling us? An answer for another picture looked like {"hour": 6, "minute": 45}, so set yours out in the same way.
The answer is {"hour": 3, "minute": 25}
